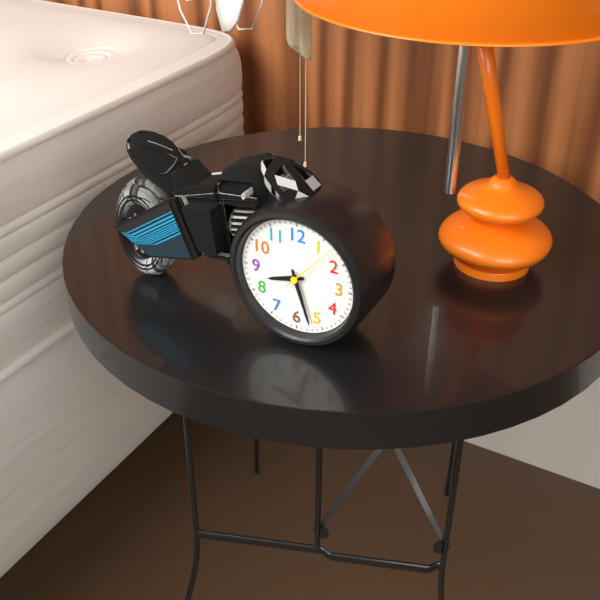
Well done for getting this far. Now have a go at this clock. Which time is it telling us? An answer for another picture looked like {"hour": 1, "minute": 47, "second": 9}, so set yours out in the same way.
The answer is {"hour": 8, "minute": 27, "second": 7}
